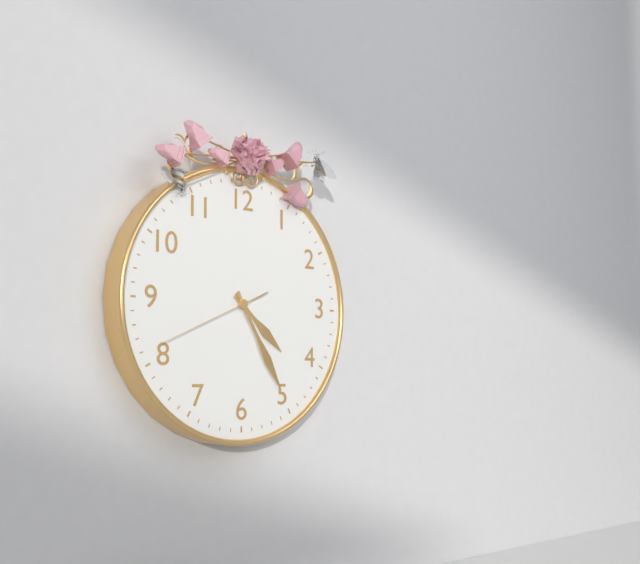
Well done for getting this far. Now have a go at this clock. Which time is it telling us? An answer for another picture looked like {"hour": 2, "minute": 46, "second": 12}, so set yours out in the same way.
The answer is {"hour": 4, "minute": 25, "second": 41}
